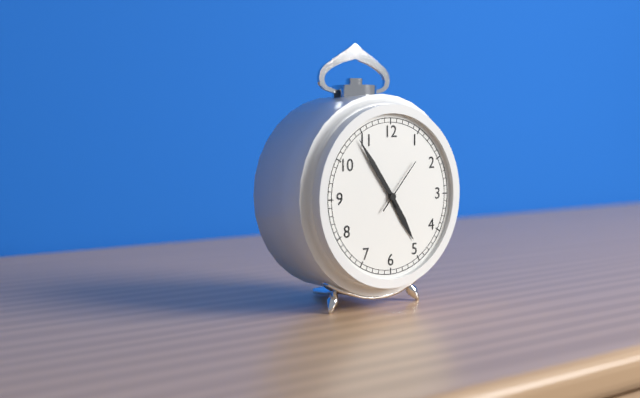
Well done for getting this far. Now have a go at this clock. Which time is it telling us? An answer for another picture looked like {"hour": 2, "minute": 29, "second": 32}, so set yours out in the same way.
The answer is {"hour": 4, "minute": 54, "second": 7}
